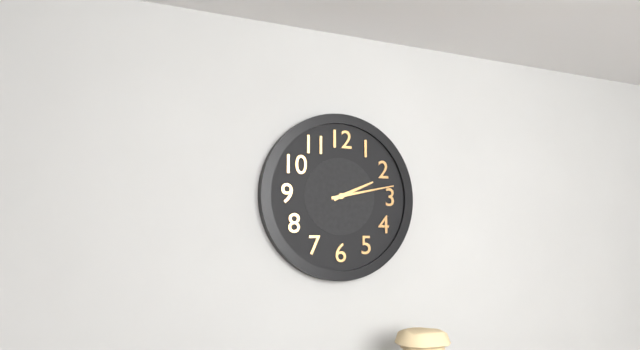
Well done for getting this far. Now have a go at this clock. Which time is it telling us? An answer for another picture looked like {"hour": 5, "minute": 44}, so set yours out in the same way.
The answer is {"hour": 2, "minute": 13}
